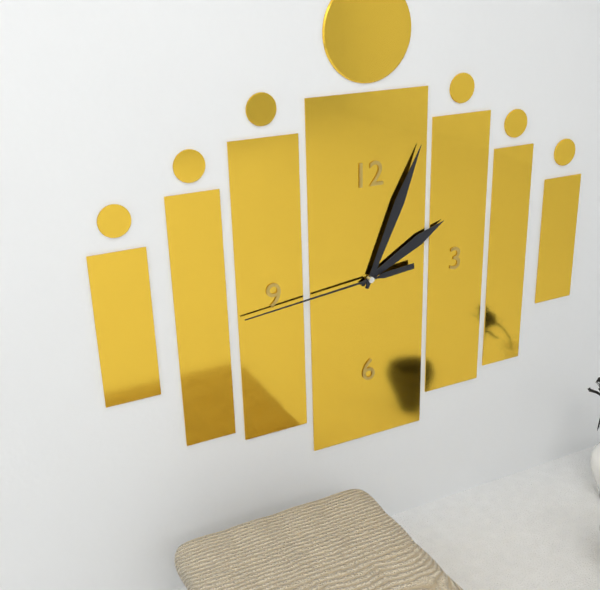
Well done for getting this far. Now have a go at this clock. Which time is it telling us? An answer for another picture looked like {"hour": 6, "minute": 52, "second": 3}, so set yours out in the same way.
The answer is {"hour": 2, "minute": 4, "second": 44}
